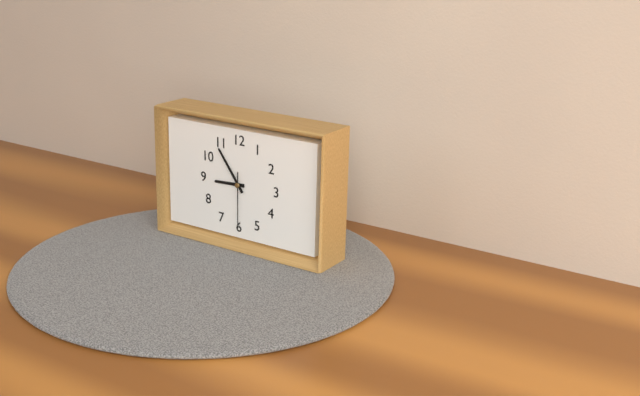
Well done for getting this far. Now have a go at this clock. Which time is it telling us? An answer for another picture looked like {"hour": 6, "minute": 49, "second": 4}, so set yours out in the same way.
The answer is {"hour": 8, "minute": 54, "second": 30}
